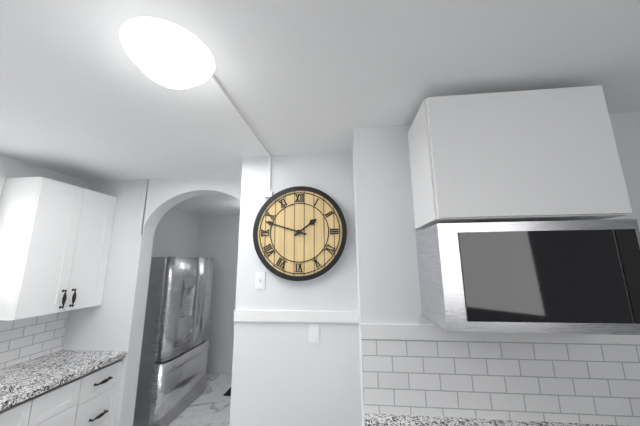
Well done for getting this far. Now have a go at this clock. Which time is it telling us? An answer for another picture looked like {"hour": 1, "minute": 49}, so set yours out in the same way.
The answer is {"hour": 1, "minute": 48}
